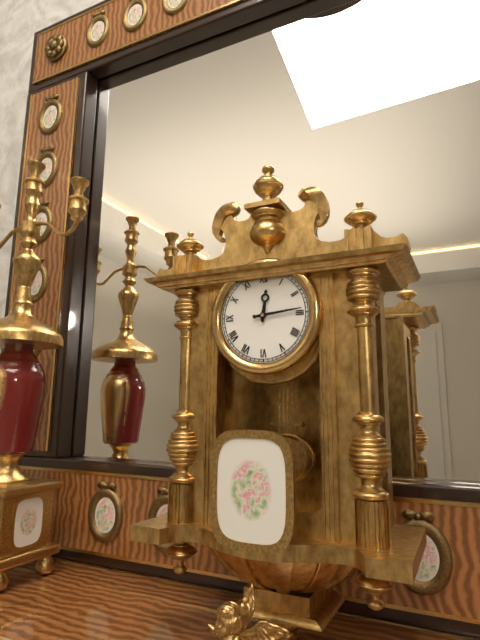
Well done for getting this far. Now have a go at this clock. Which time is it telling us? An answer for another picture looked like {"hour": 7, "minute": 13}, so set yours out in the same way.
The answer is {"hour": 12, "minute": 14}
